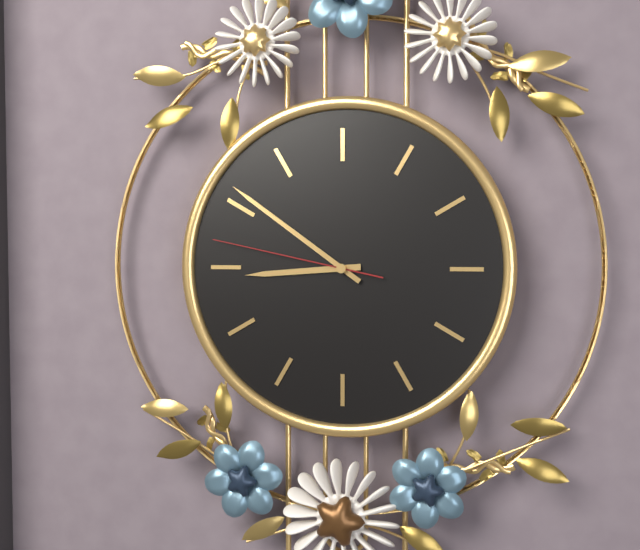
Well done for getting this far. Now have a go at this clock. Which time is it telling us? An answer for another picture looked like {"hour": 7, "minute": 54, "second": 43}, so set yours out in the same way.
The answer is {"hour": 8, "minute": 51, "second": 47}
